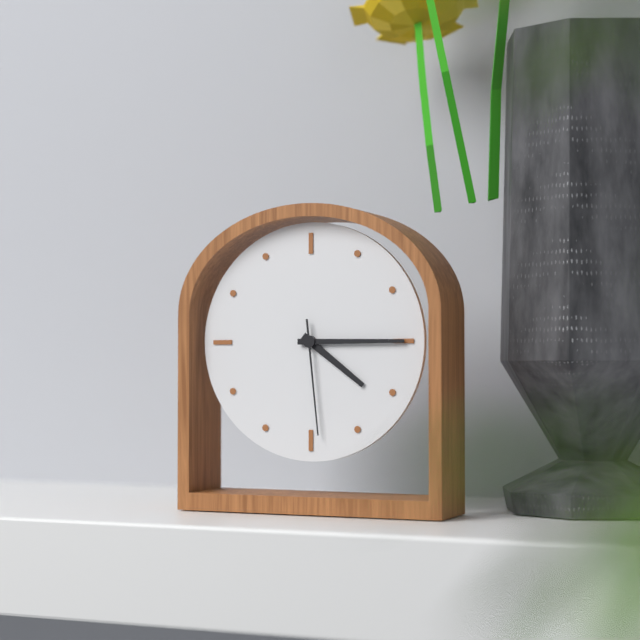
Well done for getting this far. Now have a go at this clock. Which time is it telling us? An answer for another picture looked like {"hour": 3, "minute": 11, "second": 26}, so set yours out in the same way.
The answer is {"hour": 4, "minute": 15, "second": 29}
